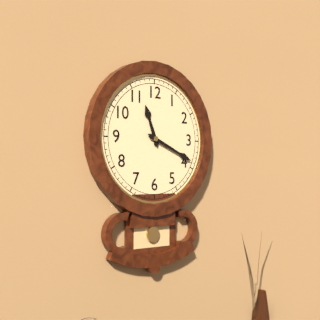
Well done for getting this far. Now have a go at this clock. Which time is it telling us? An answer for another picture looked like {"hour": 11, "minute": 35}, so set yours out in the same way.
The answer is {"hour": 11, "minute": 19}
